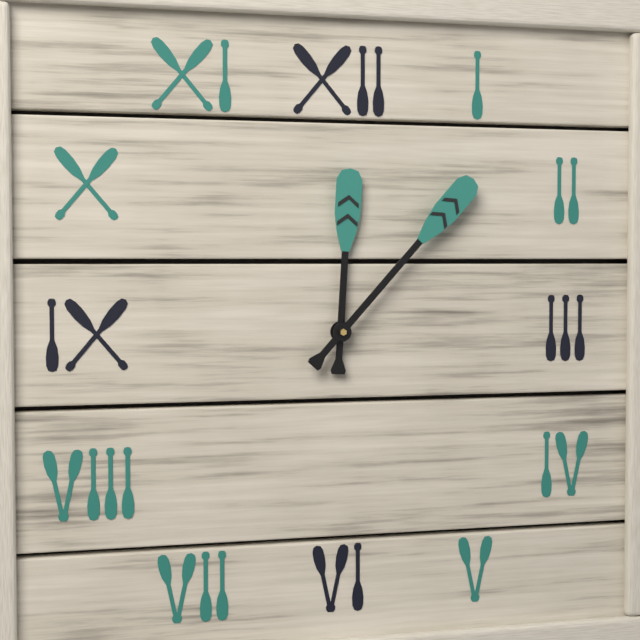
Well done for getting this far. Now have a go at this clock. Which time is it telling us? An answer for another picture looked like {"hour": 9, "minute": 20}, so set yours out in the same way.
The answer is {"hour": 12, "minute": 7}
